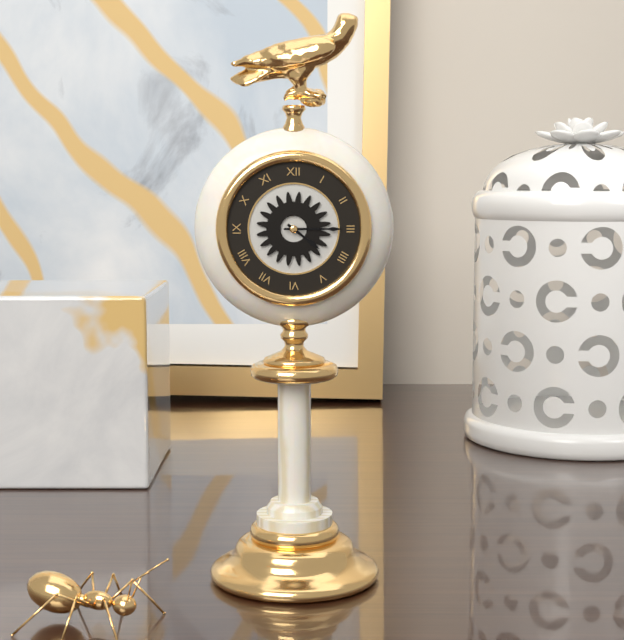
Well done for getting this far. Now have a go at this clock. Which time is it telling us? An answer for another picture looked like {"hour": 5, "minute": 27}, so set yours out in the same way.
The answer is {"hour": 4, "minute": 15}
